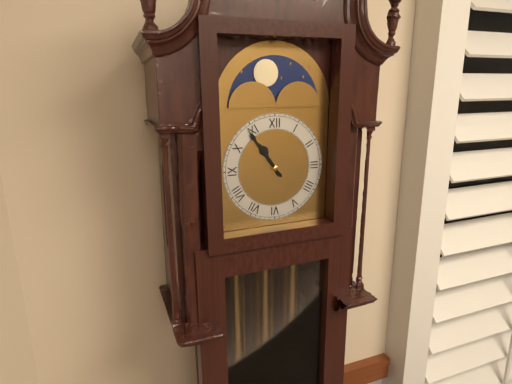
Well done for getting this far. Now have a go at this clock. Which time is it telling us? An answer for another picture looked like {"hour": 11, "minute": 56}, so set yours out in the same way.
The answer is {"hour": 10, "minute": 54}
